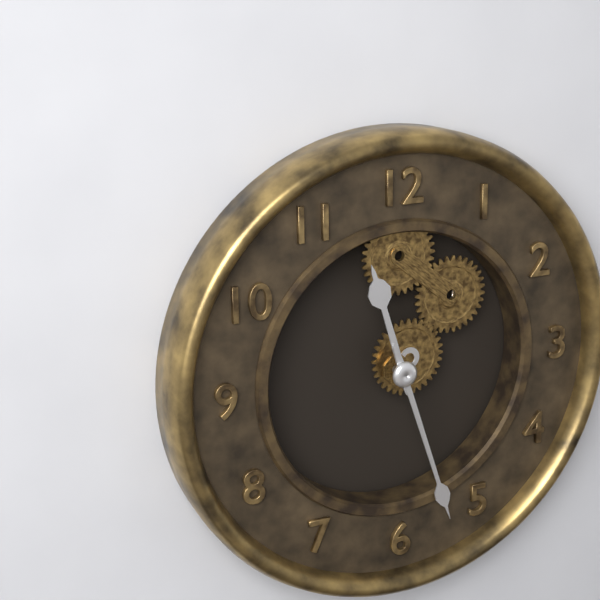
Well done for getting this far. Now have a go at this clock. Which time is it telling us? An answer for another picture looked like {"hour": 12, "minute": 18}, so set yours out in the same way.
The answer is {"hour": 11, "minute": 27}
